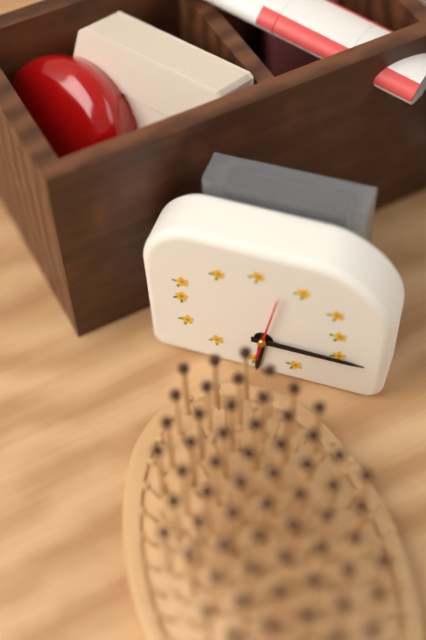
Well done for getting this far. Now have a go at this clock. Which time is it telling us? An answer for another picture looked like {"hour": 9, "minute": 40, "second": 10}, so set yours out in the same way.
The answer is {"hour": 6, "minute": 15, "second": 2}
